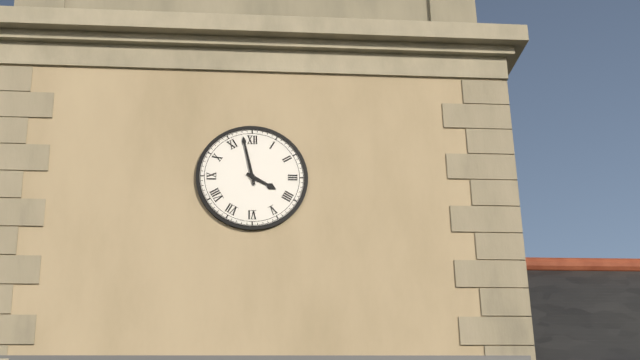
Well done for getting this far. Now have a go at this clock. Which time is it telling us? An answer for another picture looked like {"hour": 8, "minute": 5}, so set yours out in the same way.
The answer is {"hour": 3, "minute": 58}
